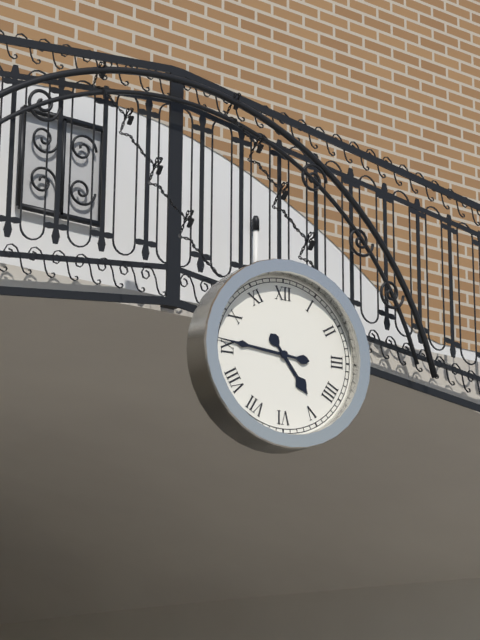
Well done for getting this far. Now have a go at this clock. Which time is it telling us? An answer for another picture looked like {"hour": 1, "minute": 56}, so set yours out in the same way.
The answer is {"hour": 4, "minute": 46}
